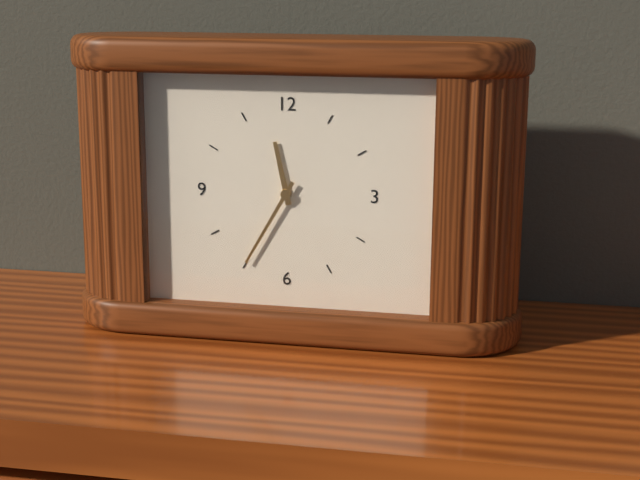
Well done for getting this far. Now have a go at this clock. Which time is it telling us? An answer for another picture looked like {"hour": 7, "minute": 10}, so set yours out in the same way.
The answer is {"hour": 11, "minute": 35}
